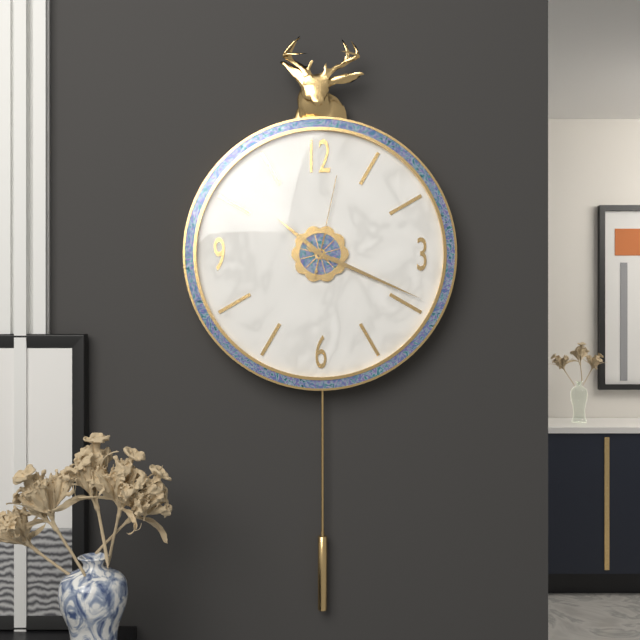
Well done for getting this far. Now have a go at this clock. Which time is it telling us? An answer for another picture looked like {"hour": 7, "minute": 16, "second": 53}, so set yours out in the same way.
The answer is {"hour": 10, "minute": 19, "second": 2}
